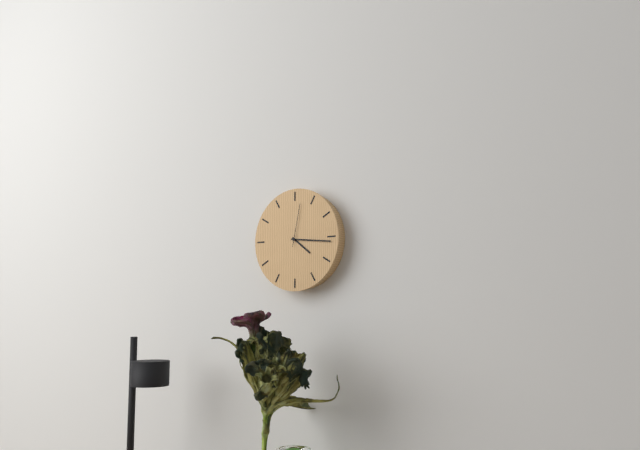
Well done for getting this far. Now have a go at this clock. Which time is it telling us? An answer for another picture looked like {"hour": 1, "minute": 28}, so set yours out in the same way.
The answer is {"hour": 4, "minute": 16}
